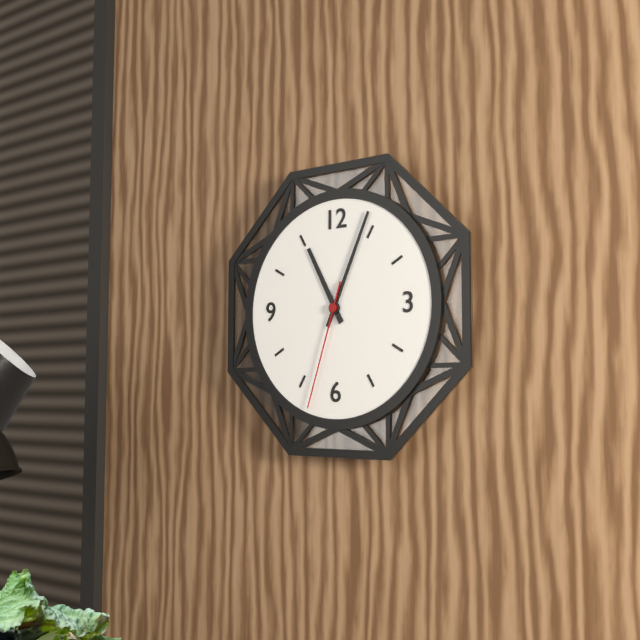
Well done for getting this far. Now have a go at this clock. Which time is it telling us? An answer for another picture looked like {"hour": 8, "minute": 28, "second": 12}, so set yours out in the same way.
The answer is {"hour": 11, "minute": 4, "second": 33}
